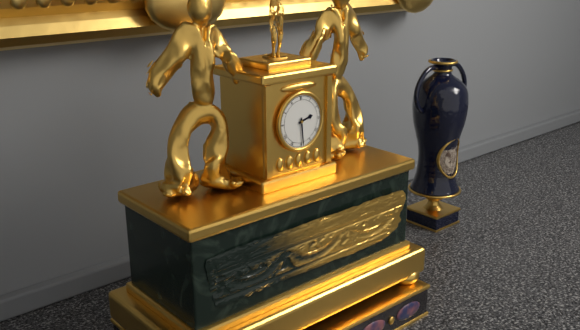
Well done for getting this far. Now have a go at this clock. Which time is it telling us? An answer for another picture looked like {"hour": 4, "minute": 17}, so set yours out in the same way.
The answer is {"hour": 2, "minute": 29}
